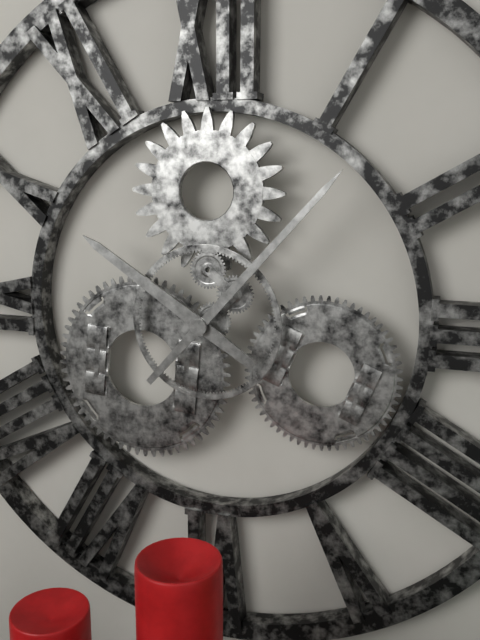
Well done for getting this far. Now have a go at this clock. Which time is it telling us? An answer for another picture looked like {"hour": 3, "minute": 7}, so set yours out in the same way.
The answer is {"hour": 10, "minute": 7}
